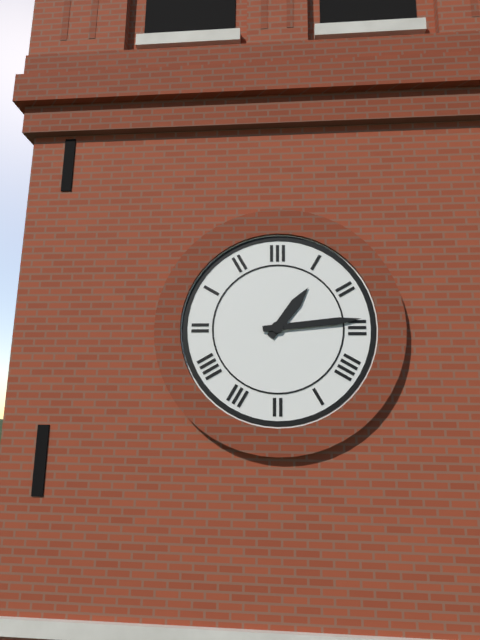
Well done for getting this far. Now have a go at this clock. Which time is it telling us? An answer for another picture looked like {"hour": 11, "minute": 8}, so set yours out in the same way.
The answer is {"hour": 1, "minute": 14}
